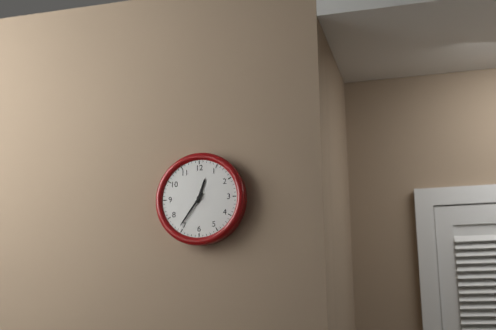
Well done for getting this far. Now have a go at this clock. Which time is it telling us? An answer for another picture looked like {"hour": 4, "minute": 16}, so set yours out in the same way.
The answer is {"hour": 12, "minute": 36}
